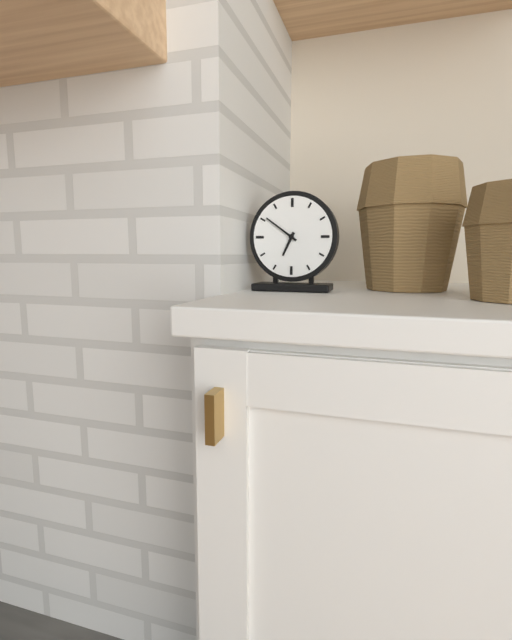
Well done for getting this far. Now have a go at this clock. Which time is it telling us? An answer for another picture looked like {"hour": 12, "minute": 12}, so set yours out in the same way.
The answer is {"hour": 6, "minute": 51}
